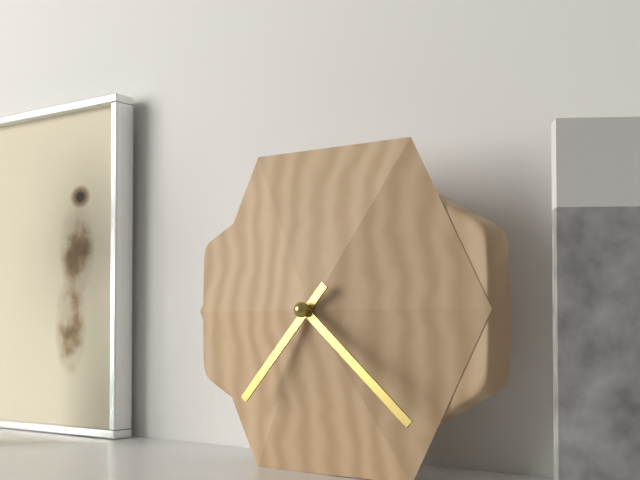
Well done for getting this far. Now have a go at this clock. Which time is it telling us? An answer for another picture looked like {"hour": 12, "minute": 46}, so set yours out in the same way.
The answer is {"hour": 7, "minute": 22}
